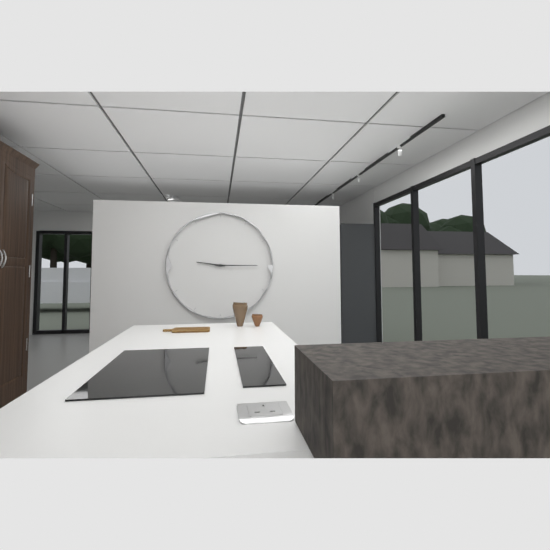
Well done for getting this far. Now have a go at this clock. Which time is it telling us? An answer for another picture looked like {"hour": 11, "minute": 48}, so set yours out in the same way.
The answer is {"hour": 9, "minute": 15}
